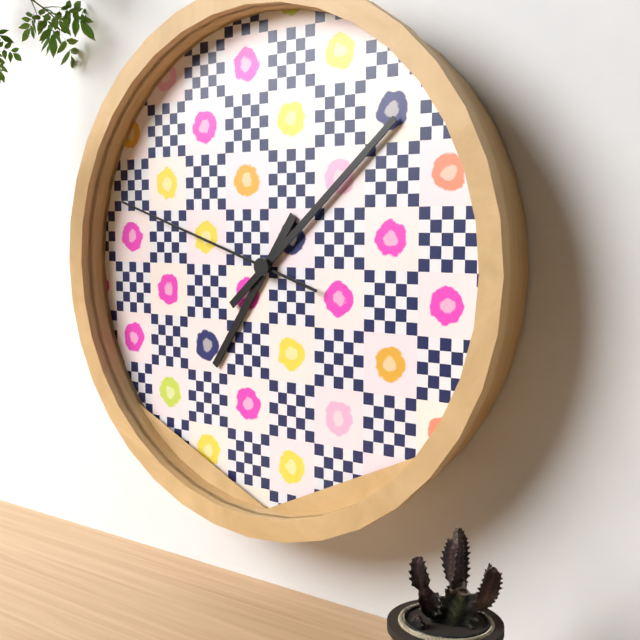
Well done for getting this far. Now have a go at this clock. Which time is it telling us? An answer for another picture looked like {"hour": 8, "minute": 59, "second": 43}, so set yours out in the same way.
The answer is {"hour": 7, "minute": 8, "second": 48}
